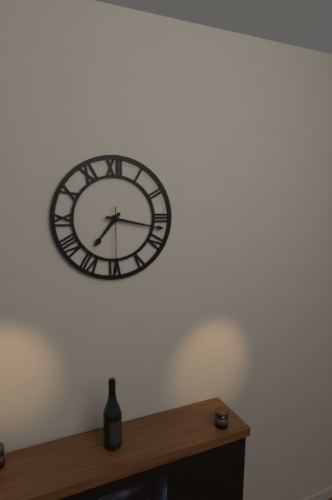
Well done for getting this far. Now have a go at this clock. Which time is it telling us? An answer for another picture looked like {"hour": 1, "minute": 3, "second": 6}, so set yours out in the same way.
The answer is {"hour": 7, "minute": 17, "second": 30}
